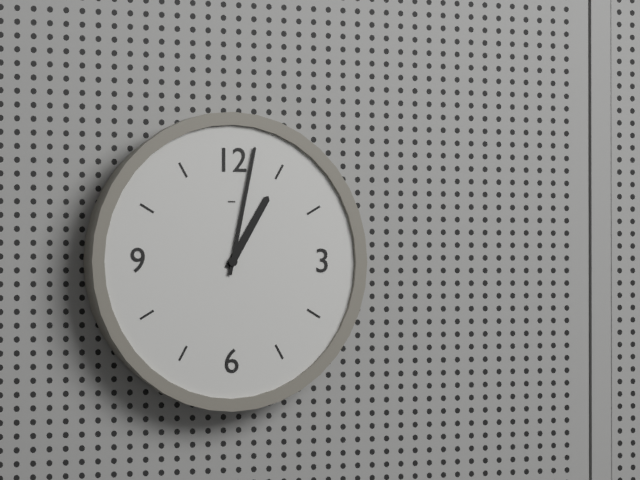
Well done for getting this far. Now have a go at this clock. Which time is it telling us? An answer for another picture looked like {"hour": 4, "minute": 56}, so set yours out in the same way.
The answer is {"hour": 1, "minute": 2}
